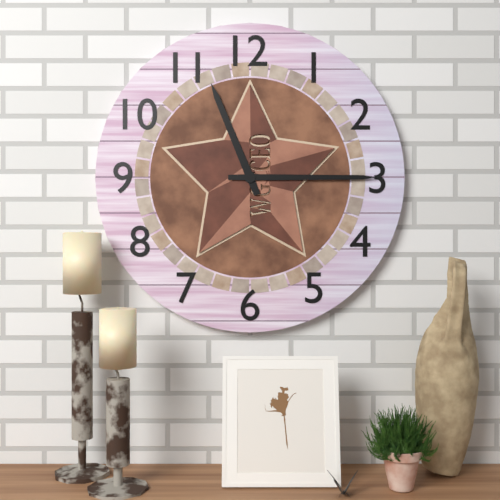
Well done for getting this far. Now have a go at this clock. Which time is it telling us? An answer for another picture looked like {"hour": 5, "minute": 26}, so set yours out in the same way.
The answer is {"hour": 11, "minute": 15}
